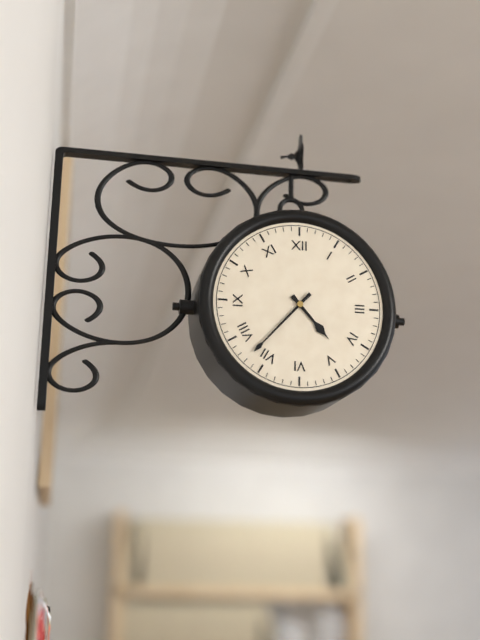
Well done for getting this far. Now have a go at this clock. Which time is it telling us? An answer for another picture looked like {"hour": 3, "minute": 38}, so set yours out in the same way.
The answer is {"hour": 4, "minute": 37}
